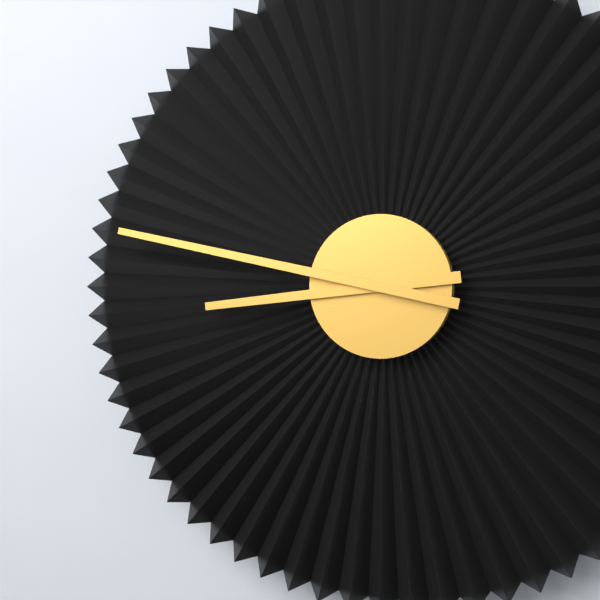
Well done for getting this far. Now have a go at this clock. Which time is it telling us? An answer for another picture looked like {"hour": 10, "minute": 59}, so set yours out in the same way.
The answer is {"hour": 8, "minute": 47}
